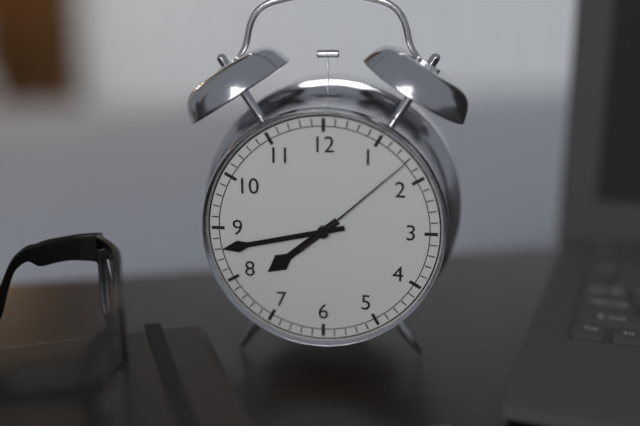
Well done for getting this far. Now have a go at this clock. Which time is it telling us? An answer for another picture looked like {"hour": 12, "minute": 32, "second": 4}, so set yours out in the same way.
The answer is {"hour": 7, "minute": 43, "second": 8}
